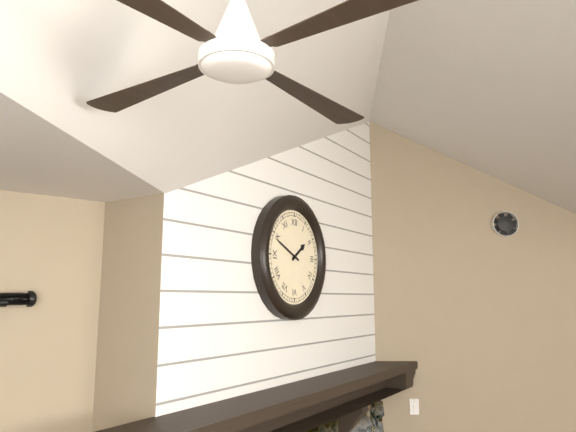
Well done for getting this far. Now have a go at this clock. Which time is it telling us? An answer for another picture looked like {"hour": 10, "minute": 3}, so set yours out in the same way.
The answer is {"hour": 1, "minute": 49}
